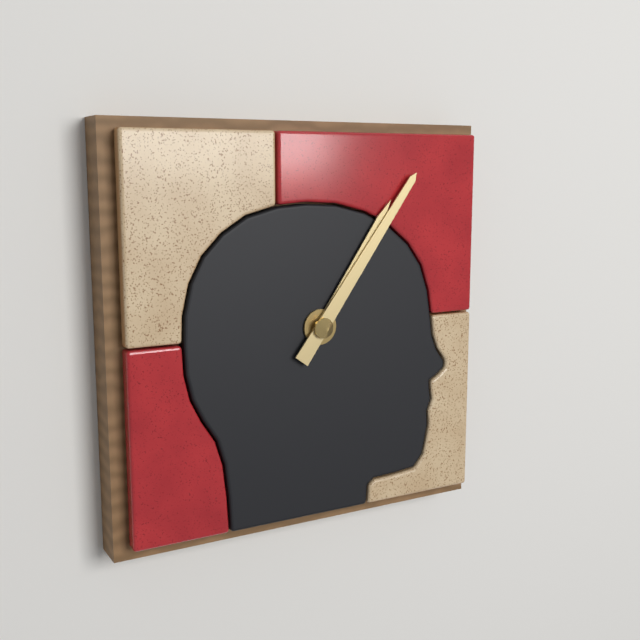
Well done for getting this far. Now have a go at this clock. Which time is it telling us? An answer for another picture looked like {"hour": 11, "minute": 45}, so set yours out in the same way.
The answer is {"hour": 1, "minute": 6}
